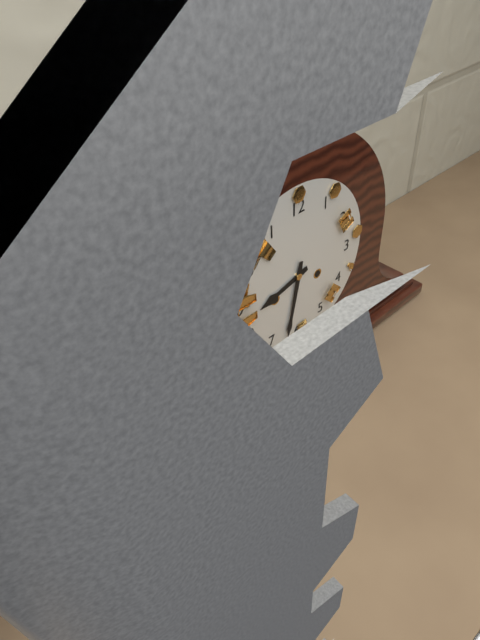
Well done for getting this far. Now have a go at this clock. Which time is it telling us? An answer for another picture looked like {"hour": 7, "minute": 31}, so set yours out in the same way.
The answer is {"hour": 8, "minute": 32}
